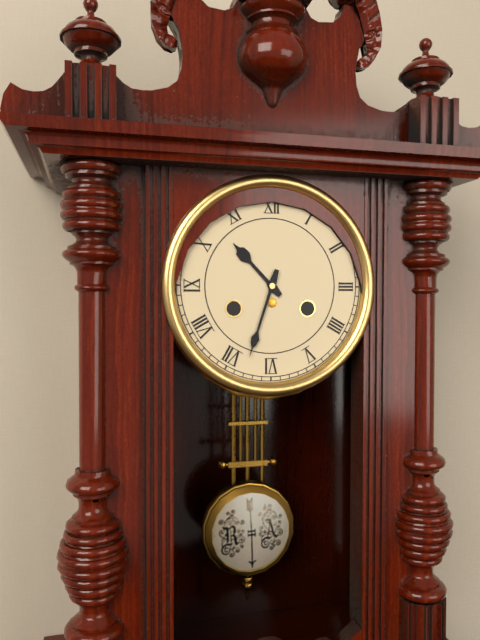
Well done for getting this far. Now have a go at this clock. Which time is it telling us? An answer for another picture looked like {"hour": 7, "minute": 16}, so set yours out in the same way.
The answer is {"hour": 10, "minute": 33}
